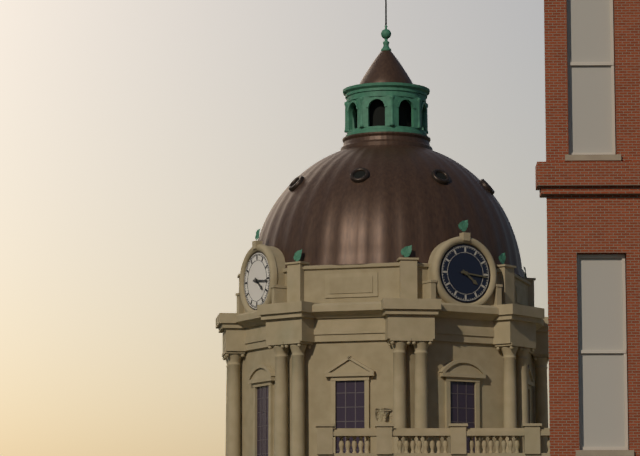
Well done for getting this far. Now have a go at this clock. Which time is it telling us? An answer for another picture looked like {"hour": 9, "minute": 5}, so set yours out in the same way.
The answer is {"hour": 4, "minute": 16}
